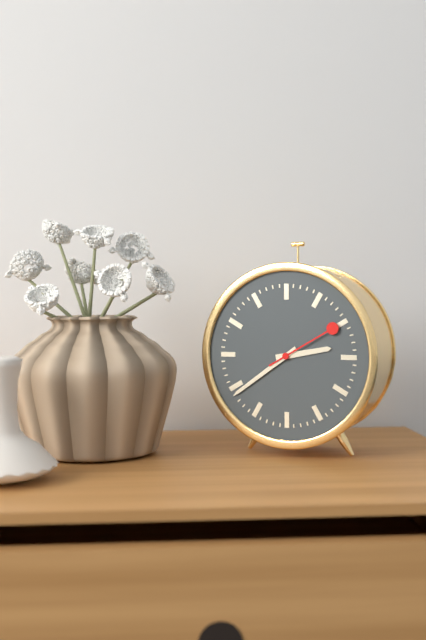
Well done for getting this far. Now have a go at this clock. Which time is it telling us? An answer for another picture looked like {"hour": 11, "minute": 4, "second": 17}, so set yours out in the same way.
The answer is {"hour": 2, "minute": 39, "second": 10}
